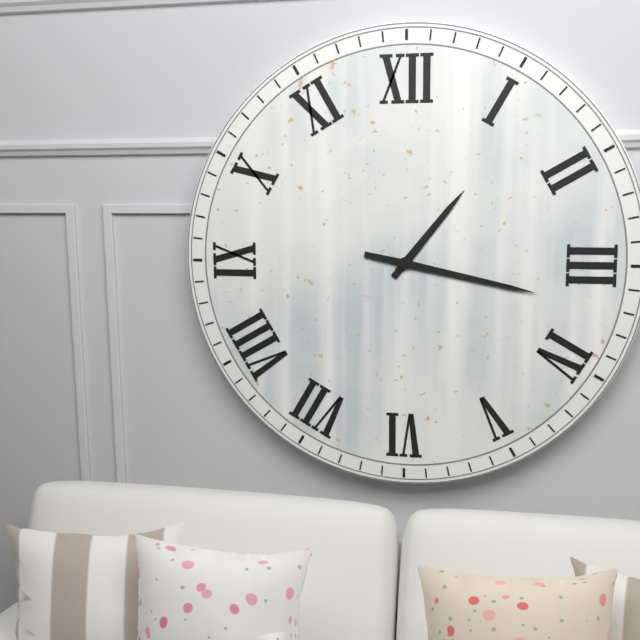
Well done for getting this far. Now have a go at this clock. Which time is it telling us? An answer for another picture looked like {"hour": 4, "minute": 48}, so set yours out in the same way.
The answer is {"hour": 1, "minute": 17}
